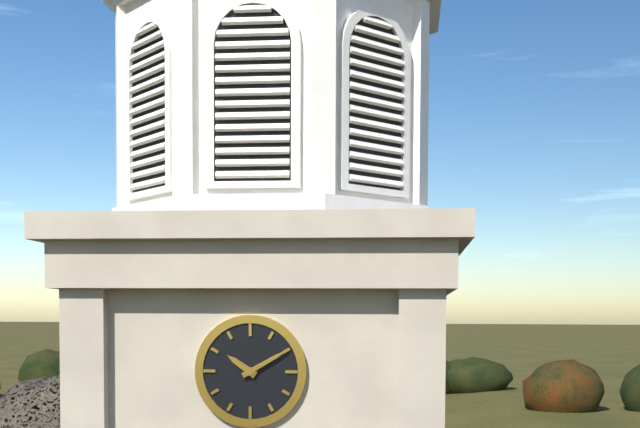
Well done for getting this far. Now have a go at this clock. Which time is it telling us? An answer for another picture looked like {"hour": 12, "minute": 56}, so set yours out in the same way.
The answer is {"hour": 10, "minute": 10}
